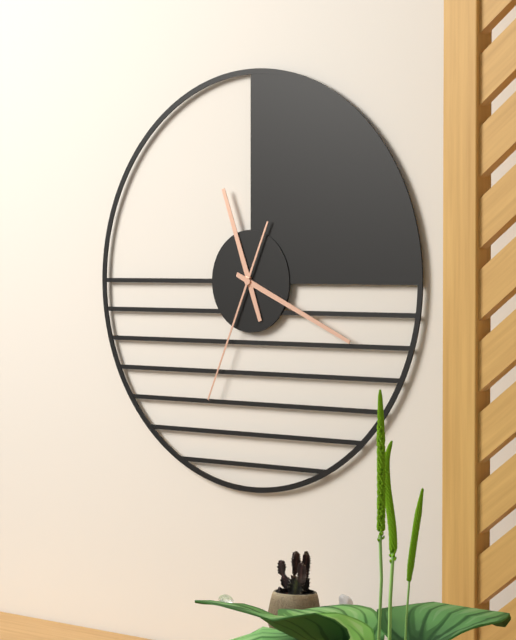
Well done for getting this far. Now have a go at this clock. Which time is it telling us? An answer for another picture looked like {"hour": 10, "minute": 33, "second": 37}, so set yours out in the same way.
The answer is {"hour": 11, "minute": 19, "second": 34}
